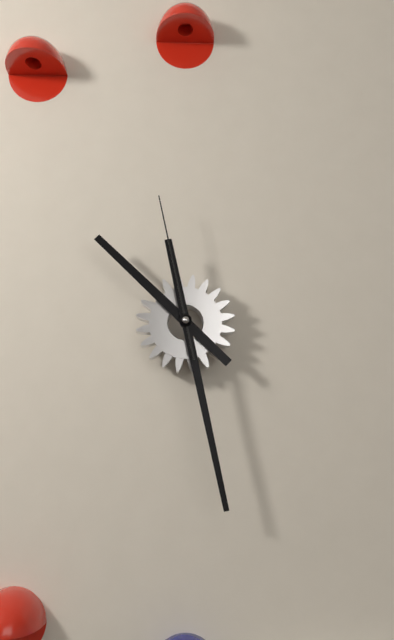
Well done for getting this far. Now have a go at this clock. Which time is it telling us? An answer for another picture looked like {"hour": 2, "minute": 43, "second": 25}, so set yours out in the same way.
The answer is {"hour": 10, "minute": 28, "second": 58}
